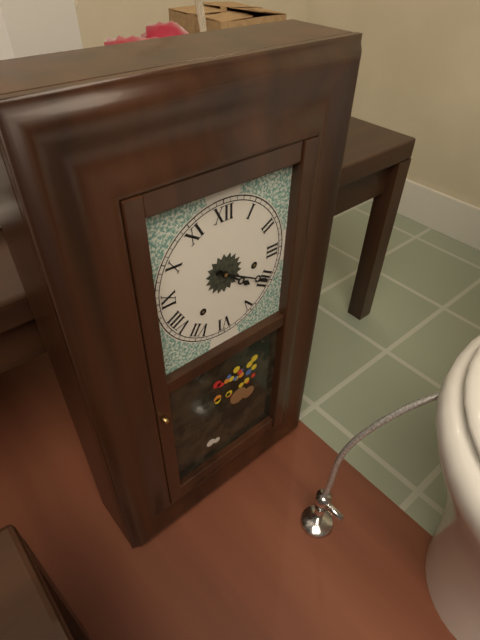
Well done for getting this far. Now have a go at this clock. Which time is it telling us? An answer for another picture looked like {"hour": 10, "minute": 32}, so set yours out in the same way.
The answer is {"hour": 4, "minute": 20}
